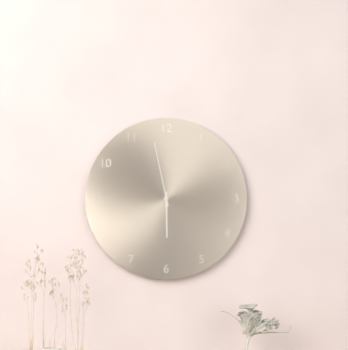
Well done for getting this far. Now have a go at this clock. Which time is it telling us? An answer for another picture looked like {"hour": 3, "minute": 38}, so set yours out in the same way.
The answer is {"hour": 5, "minute": 58}
